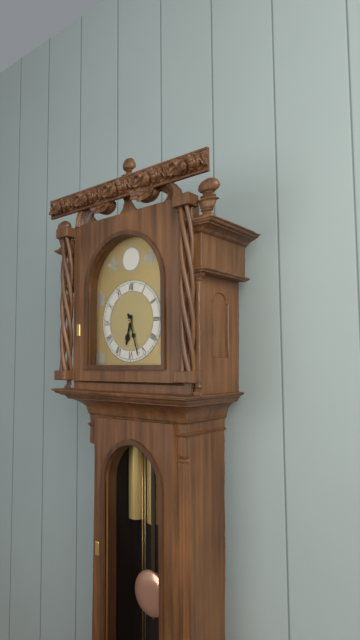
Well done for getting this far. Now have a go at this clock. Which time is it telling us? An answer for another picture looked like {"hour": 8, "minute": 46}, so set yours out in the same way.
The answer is {"hour": 6, "minute": 27}
